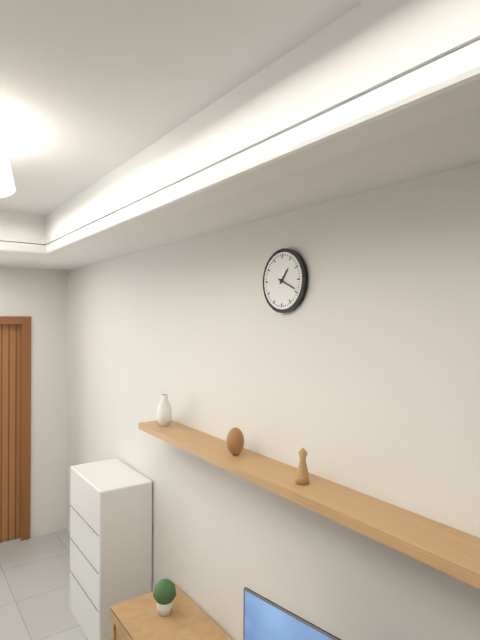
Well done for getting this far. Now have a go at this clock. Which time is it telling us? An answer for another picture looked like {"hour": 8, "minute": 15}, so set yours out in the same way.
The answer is {"hour": 1, "minute": 19}
